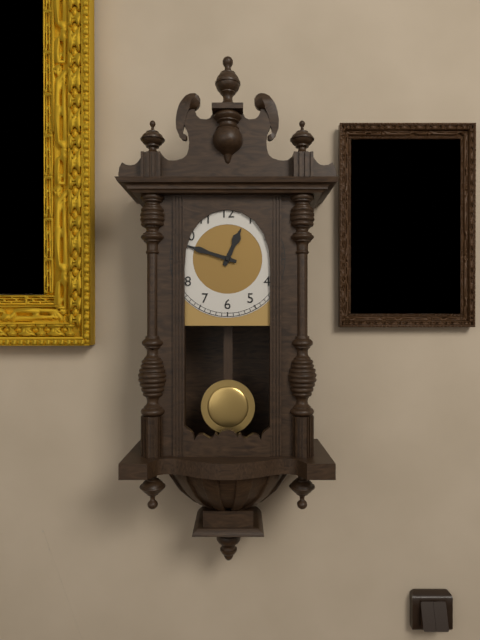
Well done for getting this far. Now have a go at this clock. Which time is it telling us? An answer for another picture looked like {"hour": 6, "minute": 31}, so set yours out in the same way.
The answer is {"hour": 12, "minute": 48}
